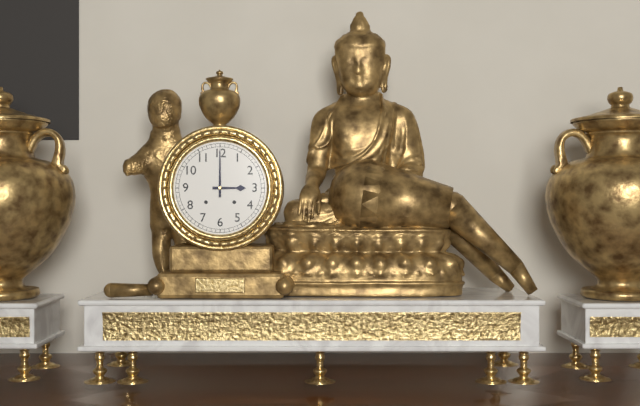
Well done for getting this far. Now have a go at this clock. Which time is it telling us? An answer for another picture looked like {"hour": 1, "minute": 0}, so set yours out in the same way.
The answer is {"hour": 3, "minute": 0}
